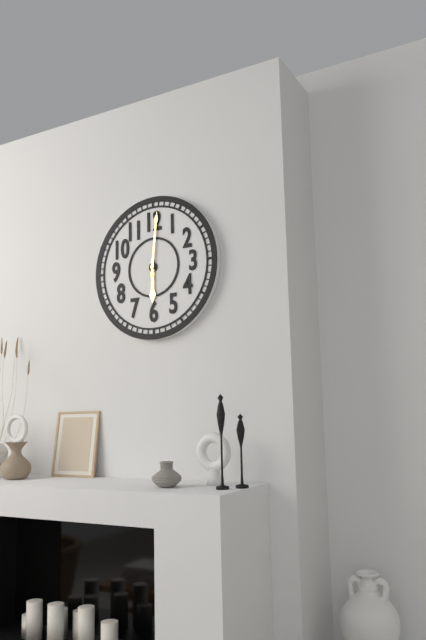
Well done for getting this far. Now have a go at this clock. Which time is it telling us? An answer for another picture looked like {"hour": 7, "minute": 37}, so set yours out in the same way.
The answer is {"hour": 6, "minute": 1}
